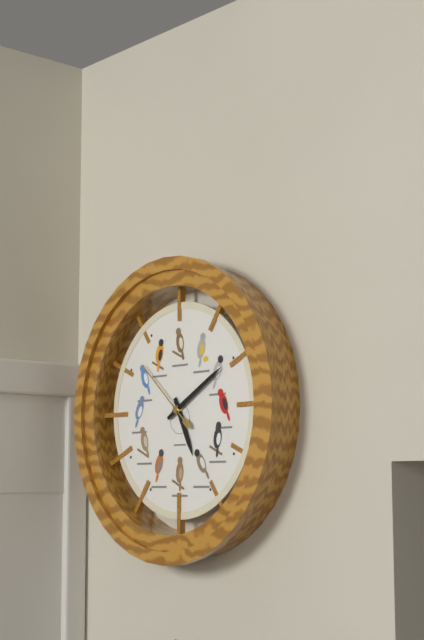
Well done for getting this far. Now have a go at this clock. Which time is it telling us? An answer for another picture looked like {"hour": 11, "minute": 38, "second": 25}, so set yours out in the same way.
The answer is {"hour": 5, "minute": 10, "second": 52}
